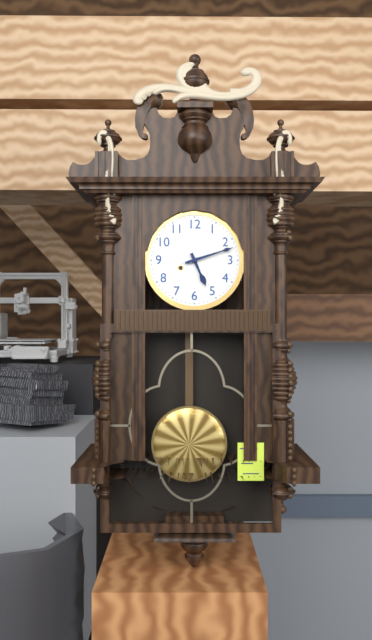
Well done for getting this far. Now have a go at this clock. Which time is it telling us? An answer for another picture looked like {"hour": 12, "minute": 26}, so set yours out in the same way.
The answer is {"hour": 5, "minute": 12}
